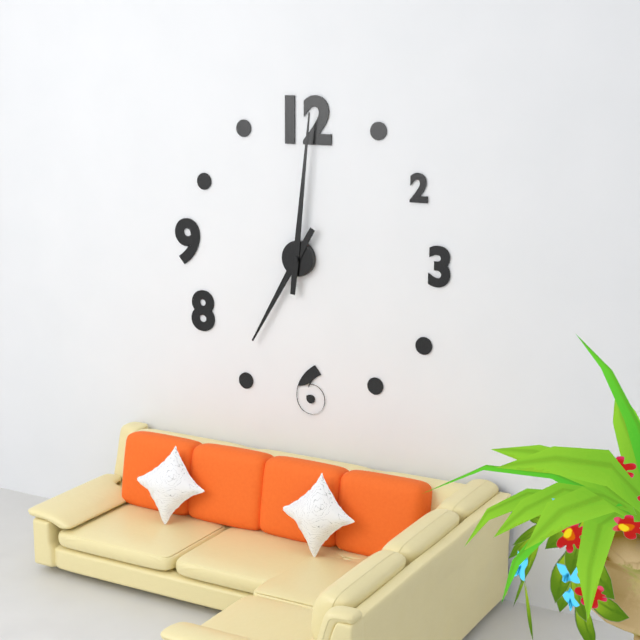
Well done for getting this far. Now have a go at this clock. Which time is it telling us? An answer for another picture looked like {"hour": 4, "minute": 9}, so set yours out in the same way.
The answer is {"hour": 7, "minute": 1}
